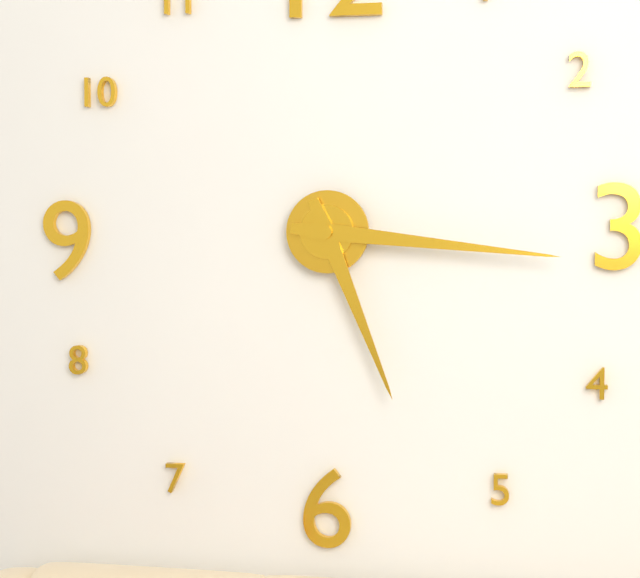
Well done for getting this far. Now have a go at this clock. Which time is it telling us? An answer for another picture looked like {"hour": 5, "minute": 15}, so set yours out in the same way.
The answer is {"hour": 5, "minute": 16}
